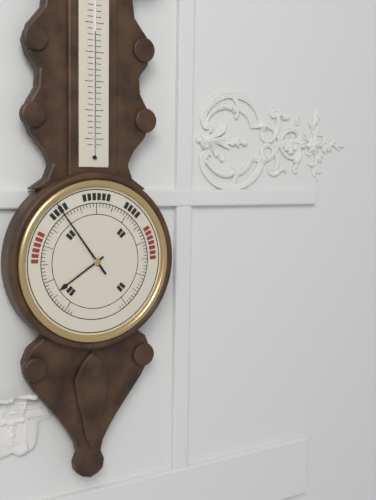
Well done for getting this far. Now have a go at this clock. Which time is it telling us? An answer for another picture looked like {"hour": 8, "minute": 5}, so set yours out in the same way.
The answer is {"hour": 7, "minute": 54}
